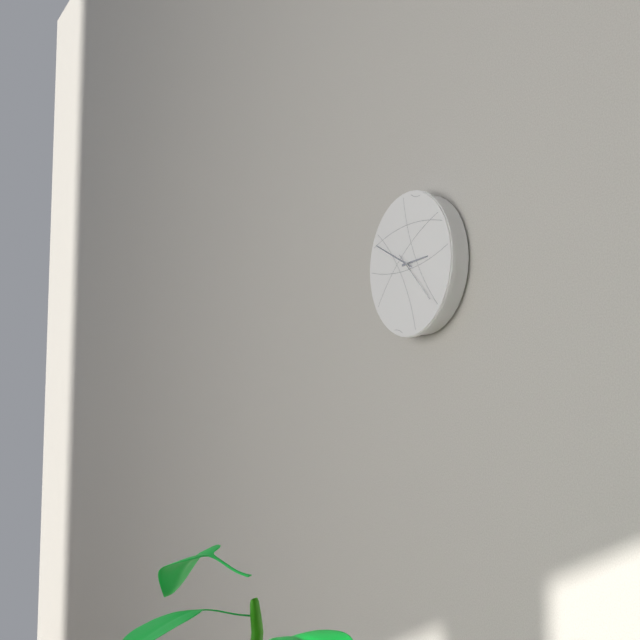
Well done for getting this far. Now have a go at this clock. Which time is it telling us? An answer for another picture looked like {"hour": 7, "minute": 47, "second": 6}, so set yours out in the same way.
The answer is {"hour": 2, "minute": 49, "second": 22}
